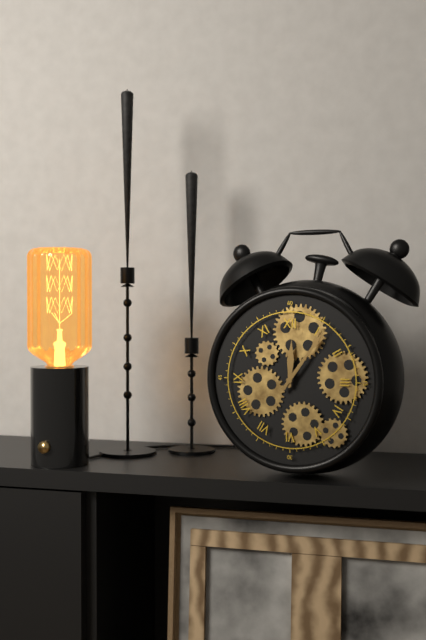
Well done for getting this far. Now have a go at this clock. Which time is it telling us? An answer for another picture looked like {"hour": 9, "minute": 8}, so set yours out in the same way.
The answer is {"hour": 12, "minute": 6}
